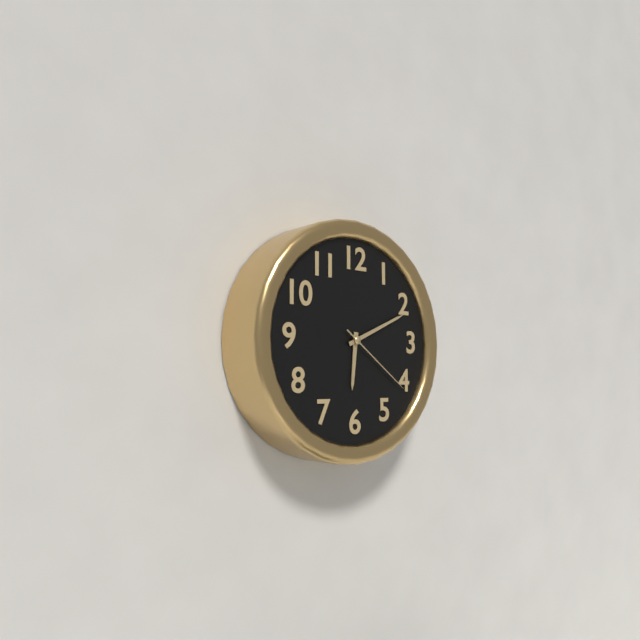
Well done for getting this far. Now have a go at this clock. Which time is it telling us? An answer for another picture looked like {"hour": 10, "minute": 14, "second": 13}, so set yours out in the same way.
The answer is {"hour": 6, "minute": 11, "second": 21}
